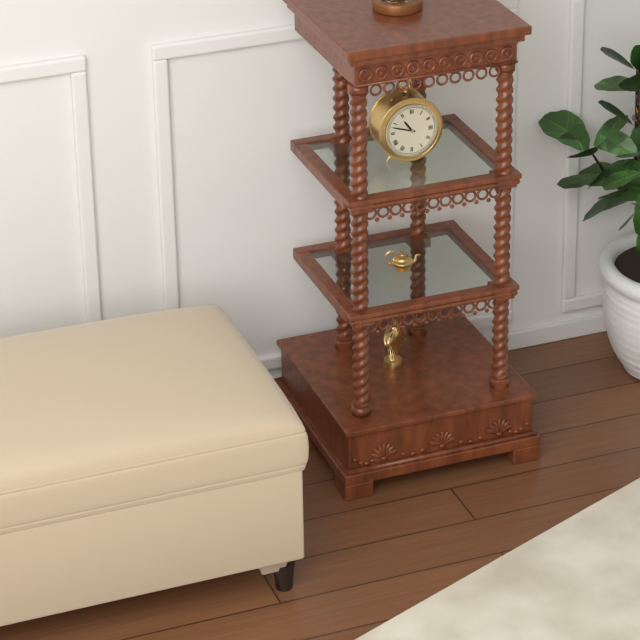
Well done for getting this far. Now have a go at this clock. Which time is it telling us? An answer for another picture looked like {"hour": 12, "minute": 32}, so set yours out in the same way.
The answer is {"hour": 10, "minute": 48}
